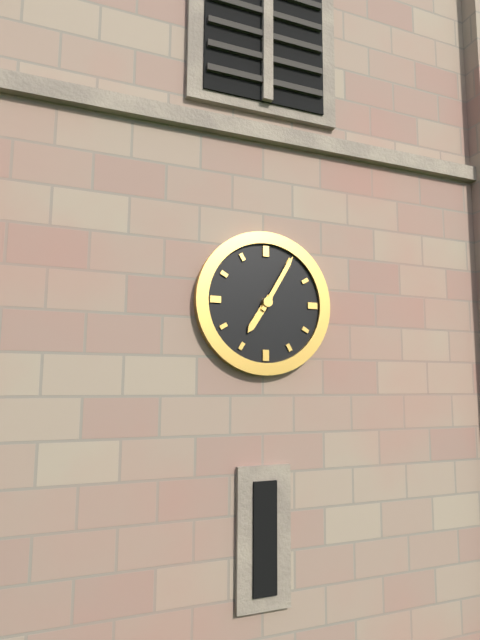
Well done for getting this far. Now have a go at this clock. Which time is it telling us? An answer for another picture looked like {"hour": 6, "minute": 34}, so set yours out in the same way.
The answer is {"hour": 7, "minute": 5}
